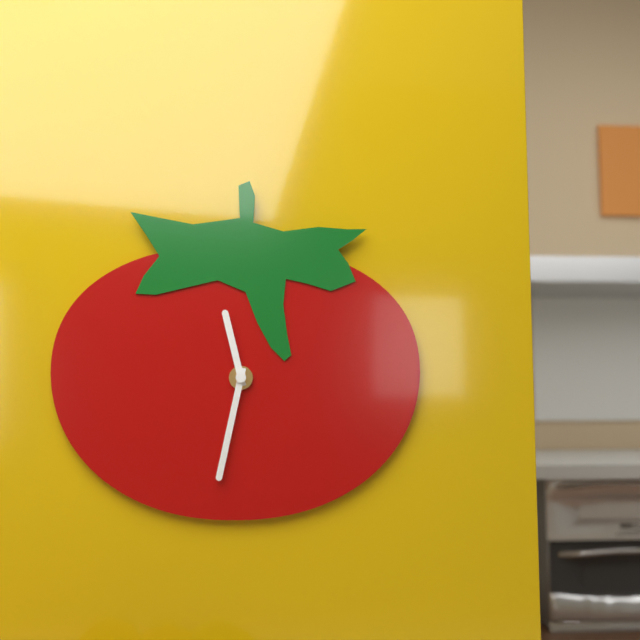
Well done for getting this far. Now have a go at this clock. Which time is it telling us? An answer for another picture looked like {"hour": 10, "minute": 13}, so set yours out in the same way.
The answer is {"hour": 11, "minute": 32}
